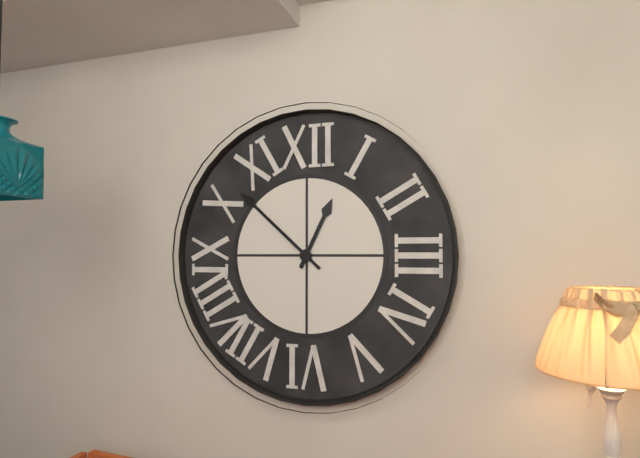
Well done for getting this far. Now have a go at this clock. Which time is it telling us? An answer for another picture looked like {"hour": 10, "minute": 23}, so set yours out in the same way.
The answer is {"hour": 12, "minute": 52}
